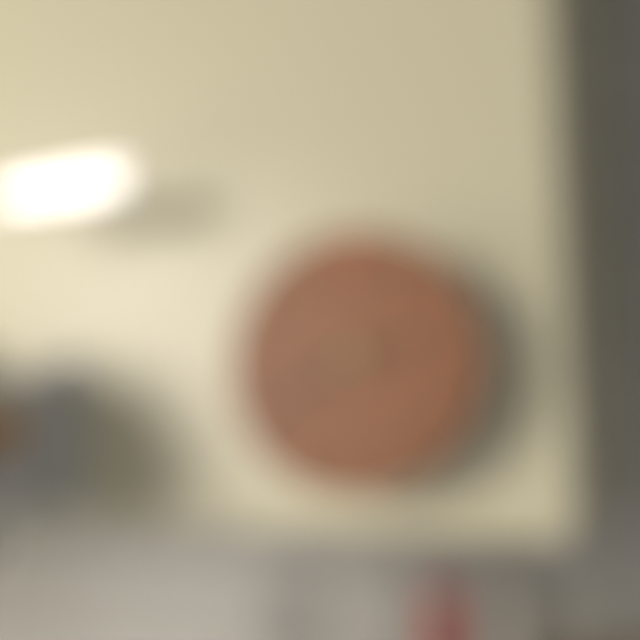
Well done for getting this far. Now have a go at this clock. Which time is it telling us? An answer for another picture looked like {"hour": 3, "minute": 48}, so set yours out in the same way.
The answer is {"hour": 2, "minute": 40}
